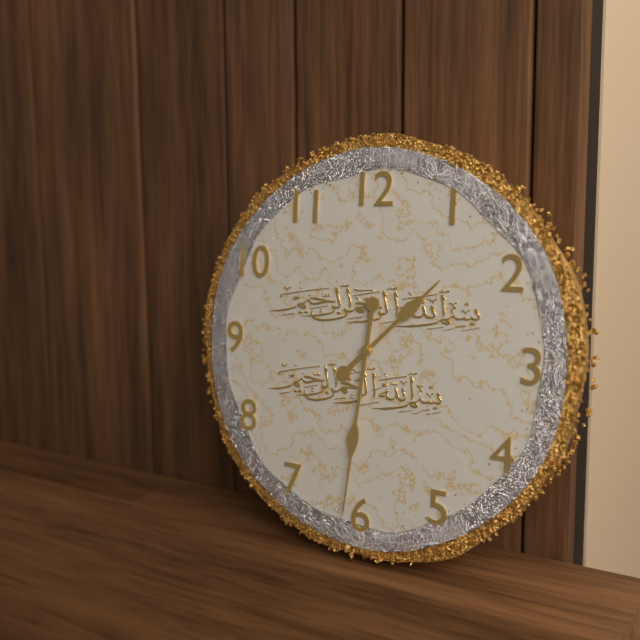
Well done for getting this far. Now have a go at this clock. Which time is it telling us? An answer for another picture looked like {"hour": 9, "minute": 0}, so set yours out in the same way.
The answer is {"hour": 1, "minute": 31}
